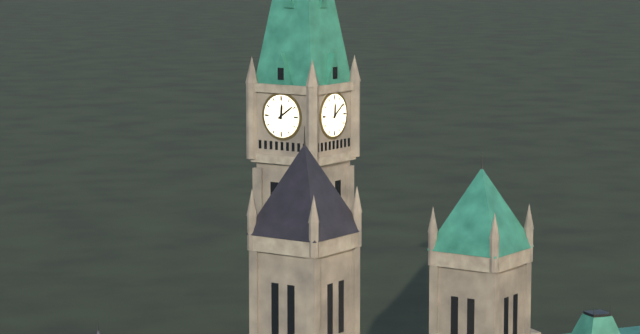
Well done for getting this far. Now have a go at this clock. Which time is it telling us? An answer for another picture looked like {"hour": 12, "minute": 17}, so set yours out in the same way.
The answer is {"hour": 12, "minute": 9}
